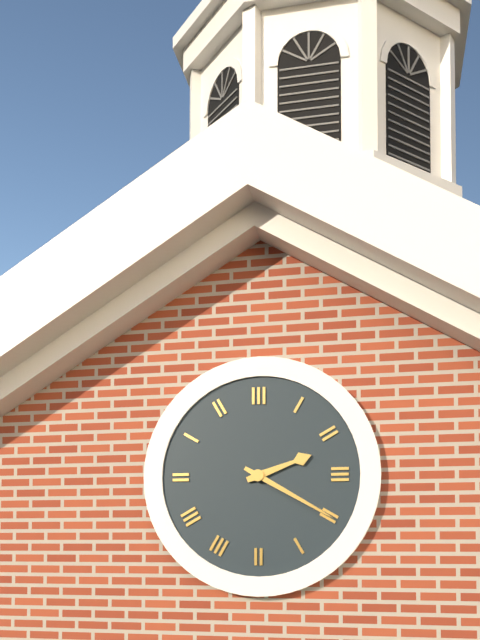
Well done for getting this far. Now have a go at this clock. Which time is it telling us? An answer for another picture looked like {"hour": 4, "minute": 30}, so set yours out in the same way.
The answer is {"hour": 2, "minute": 20}
